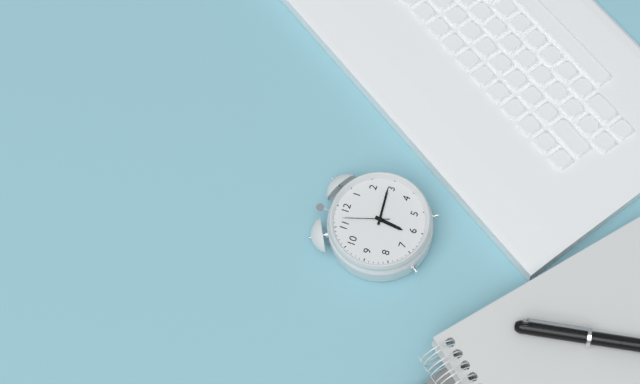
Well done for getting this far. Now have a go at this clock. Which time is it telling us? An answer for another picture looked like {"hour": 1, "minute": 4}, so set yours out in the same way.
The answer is {"hour": 6, "minute": 14}
